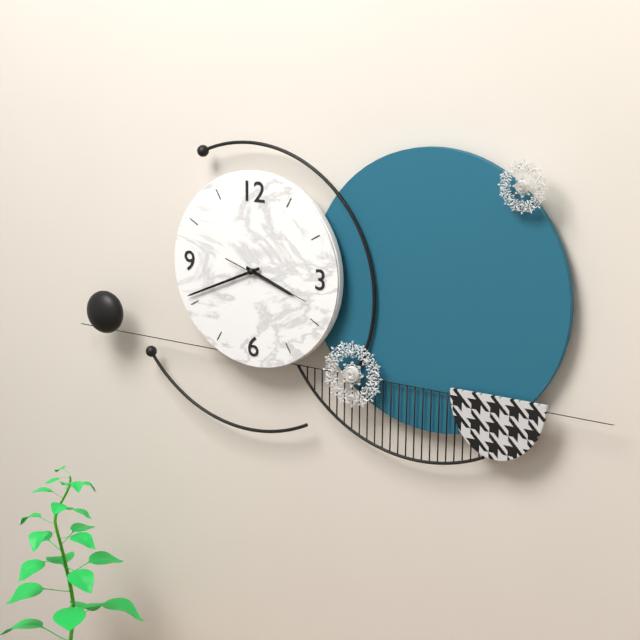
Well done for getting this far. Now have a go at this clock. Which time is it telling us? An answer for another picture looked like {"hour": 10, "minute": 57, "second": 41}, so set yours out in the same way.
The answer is {"hour": 3, "minute": 41, "second": 18}
